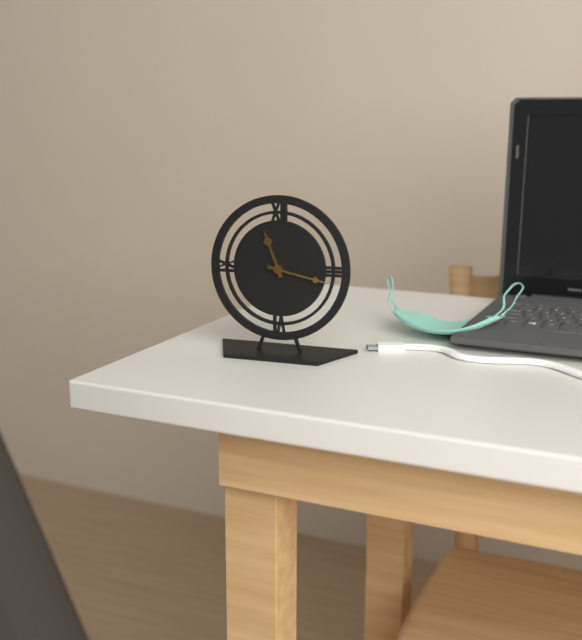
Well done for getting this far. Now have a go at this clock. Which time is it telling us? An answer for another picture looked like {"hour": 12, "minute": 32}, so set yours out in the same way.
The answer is {"hour": 11, "minute": 17}
